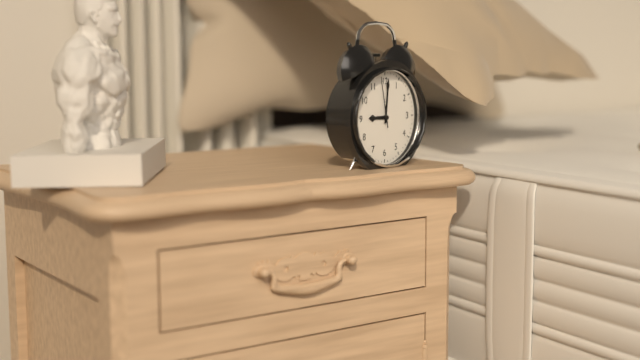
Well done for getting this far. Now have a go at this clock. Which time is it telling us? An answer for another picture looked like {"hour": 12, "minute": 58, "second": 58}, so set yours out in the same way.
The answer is {"hour": 9, "minute": 1, "second": 58}
